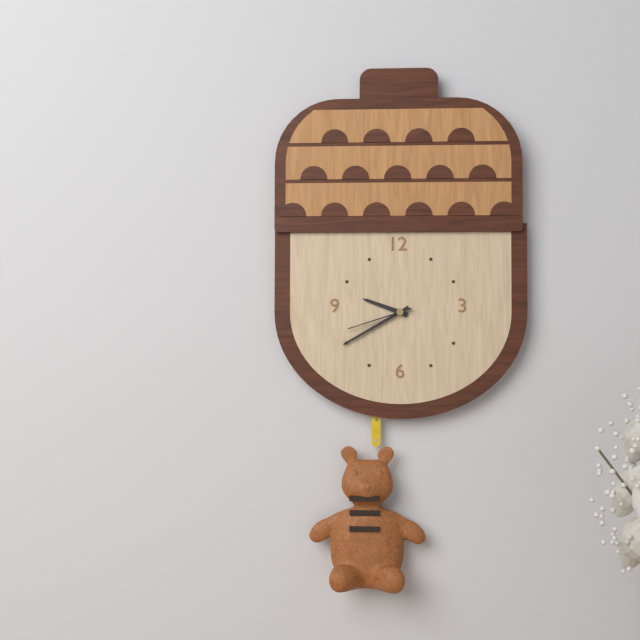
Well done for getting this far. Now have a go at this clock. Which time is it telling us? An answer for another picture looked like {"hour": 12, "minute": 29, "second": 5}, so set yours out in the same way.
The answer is {"hour": 9, "minute": 40, "second": 42}
